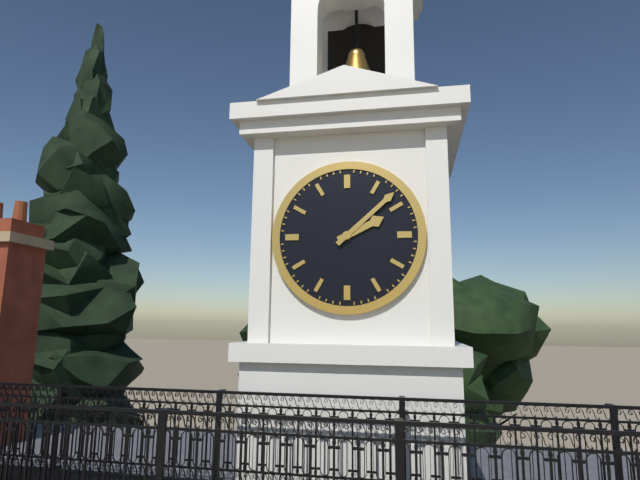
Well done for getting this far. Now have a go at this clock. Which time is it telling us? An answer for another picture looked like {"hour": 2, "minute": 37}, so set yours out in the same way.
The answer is {"hour": 2, "minute": 8}
